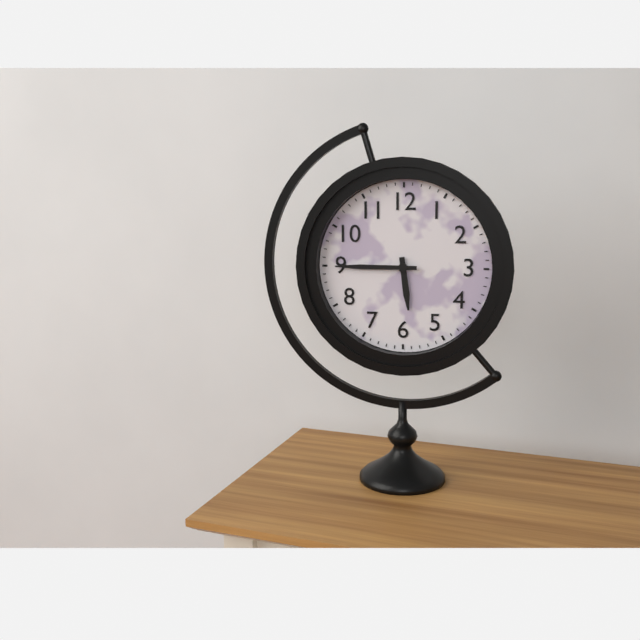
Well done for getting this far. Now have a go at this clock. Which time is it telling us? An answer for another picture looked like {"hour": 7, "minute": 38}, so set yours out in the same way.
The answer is {"hour": 5, "minute": 45}
